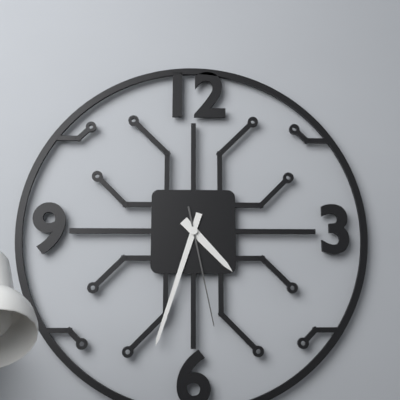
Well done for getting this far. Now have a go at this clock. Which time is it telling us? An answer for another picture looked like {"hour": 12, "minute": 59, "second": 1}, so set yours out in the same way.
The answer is {"hour": 4, "minute": 33, "second": 28}
